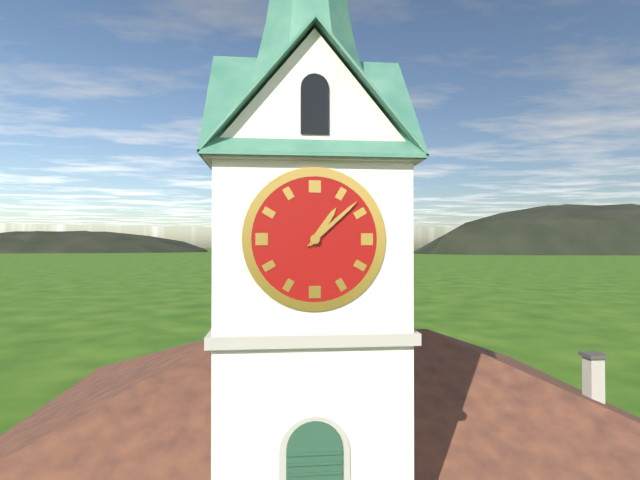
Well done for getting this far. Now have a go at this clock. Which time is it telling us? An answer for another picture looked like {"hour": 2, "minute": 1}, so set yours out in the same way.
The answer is {"hour": 1, "minute": 8}
